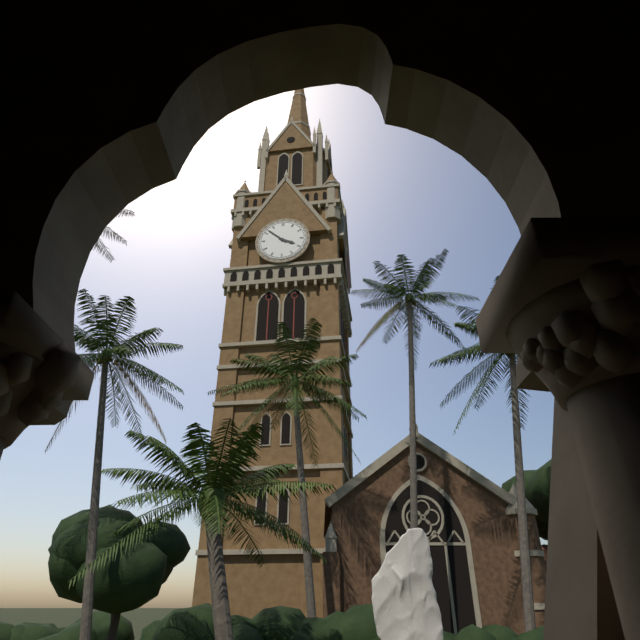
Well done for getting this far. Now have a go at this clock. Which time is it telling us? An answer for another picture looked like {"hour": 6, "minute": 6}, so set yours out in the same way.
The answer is {"hour": 3, "minute": 52}
